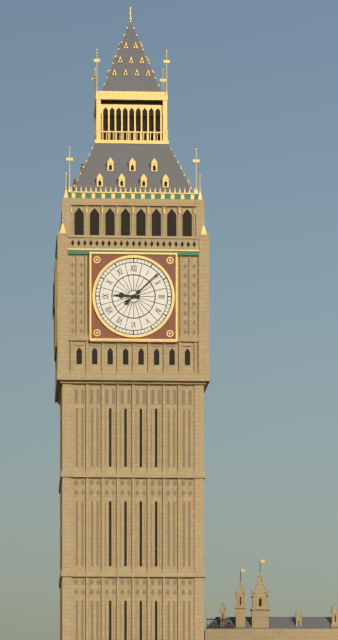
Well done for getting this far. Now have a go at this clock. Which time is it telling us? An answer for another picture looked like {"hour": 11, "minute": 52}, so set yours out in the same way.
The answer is {"hour": 9, "minute": 8}
